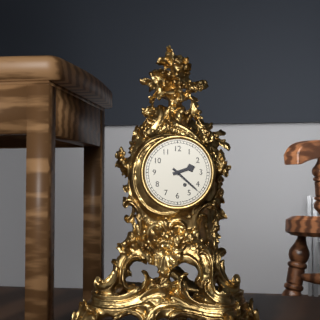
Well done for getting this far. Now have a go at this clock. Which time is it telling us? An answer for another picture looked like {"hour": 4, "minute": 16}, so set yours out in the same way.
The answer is {"hour": 2, "minute": 22}
